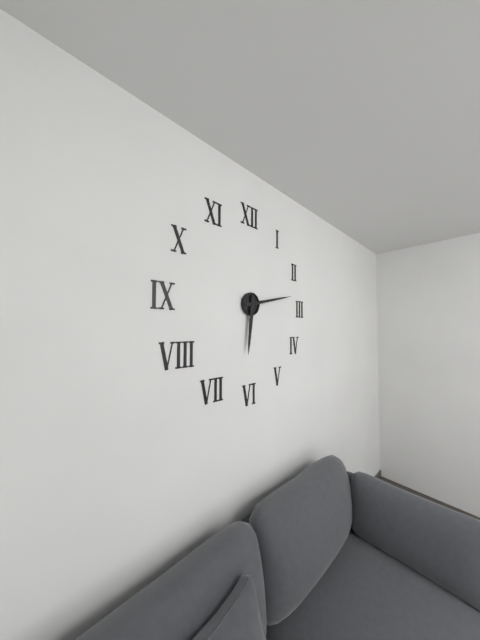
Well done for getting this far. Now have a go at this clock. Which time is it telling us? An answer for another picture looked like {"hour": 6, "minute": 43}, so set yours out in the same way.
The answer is {"hour": 6, "minute": 13}
